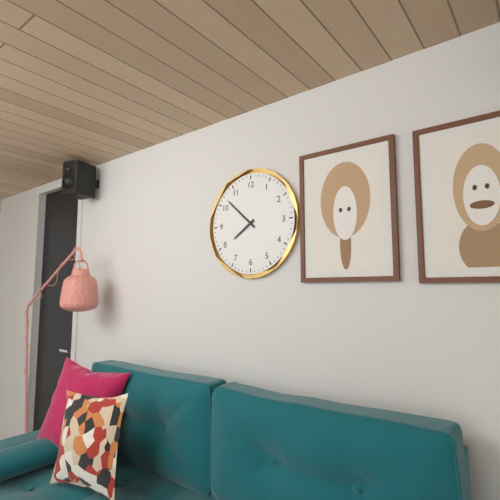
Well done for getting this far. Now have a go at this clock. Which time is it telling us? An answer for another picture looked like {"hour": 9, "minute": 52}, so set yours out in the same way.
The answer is {"hour": 7, "minute": 52}
